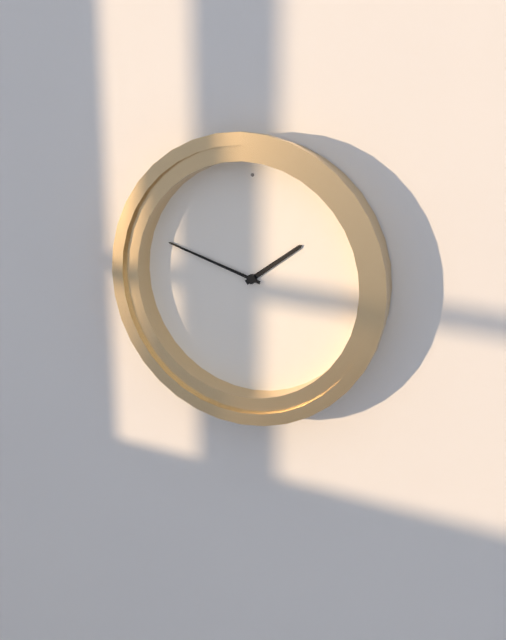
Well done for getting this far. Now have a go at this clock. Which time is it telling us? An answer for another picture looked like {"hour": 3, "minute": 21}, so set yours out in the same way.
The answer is {"hour": 1, "minute": 48}
